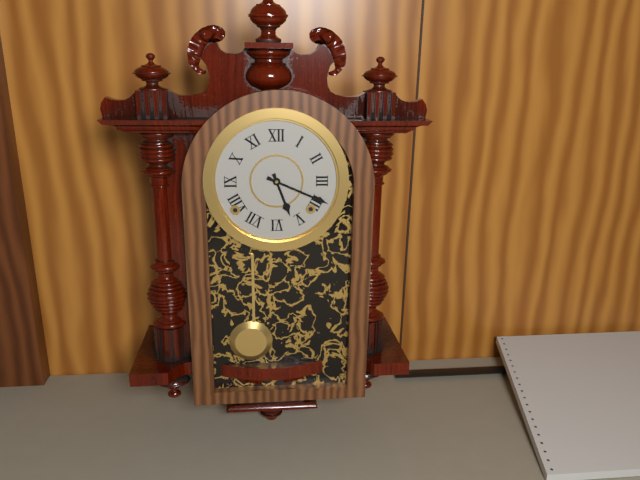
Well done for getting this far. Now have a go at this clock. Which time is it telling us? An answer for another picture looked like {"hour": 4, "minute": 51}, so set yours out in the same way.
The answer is {"hour": 5, "minute": 19}
